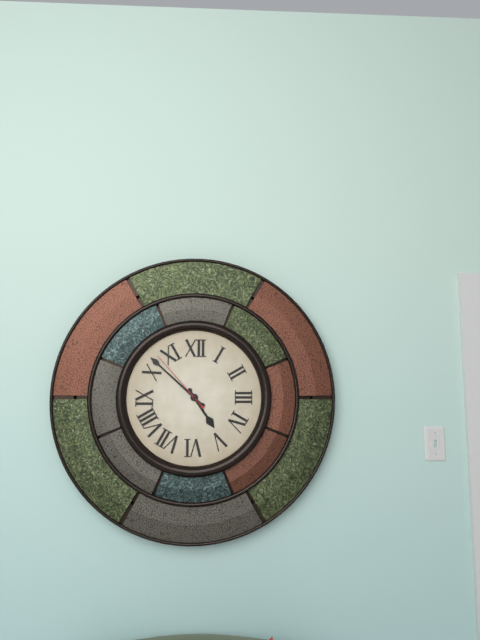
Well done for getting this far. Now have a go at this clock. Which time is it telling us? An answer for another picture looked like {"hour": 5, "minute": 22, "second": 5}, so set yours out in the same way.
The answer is {"hour": 4, "minute": 52, "second": 53}
